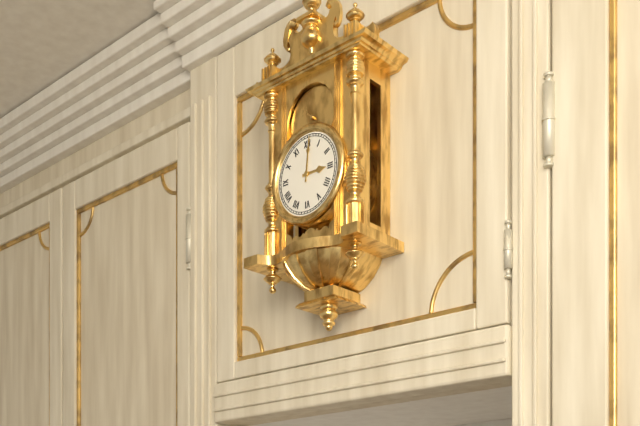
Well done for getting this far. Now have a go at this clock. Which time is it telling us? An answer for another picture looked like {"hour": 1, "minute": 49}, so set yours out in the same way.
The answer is {"hour": 3, "minute": 1}
